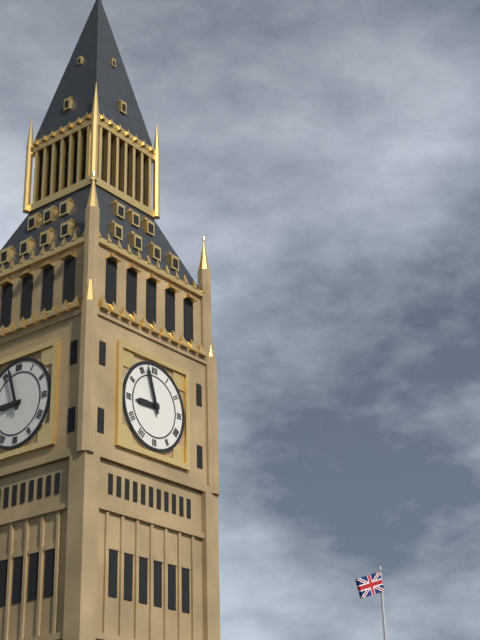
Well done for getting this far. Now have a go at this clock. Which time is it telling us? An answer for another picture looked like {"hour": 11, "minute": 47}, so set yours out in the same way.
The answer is {"hour": 8, "minute": 57}
